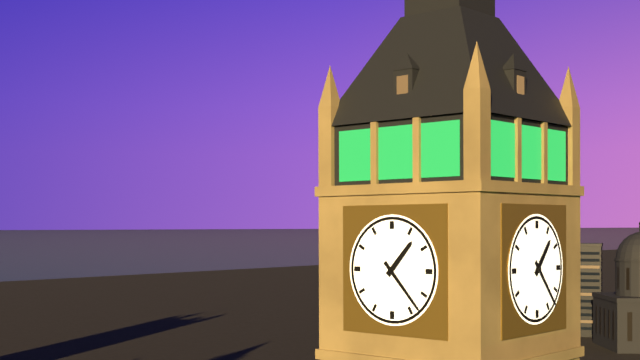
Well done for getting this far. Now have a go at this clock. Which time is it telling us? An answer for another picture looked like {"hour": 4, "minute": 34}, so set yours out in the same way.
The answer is {"hour": 1, "minute": 23}
